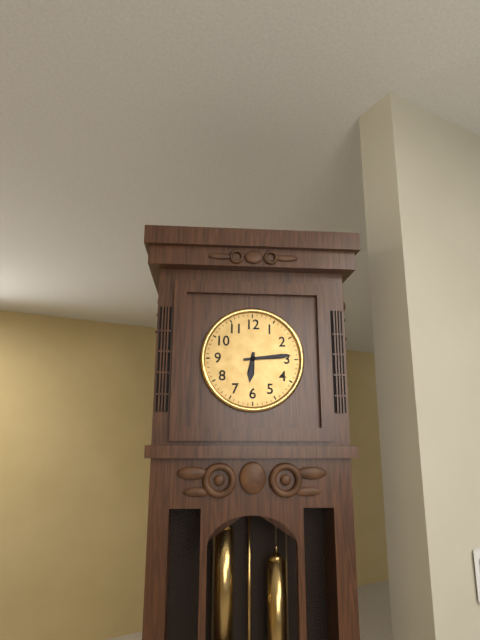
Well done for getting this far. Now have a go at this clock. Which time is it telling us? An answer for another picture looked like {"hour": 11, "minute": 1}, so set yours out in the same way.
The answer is {"hour": 6, "minute": 14}
